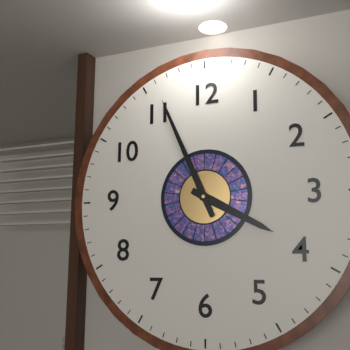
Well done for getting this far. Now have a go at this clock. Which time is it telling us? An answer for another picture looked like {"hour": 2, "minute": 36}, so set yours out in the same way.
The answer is {"hour": 3, "minute": 56}
